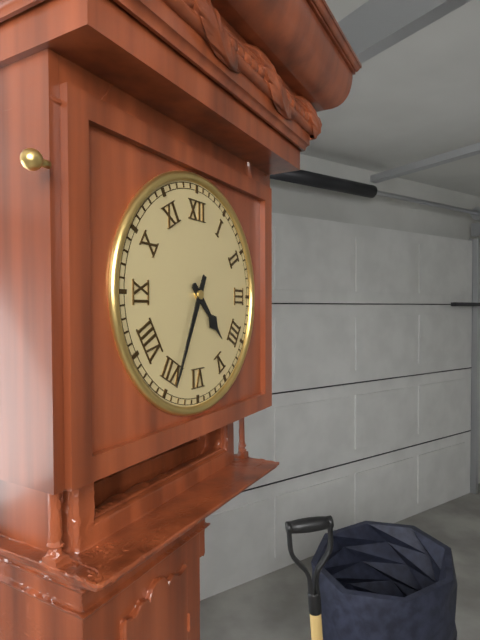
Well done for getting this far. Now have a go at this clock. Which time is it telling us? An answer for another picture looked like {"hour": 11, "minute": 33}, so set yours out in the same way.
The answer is {"hour": 4, "minute": 34}
